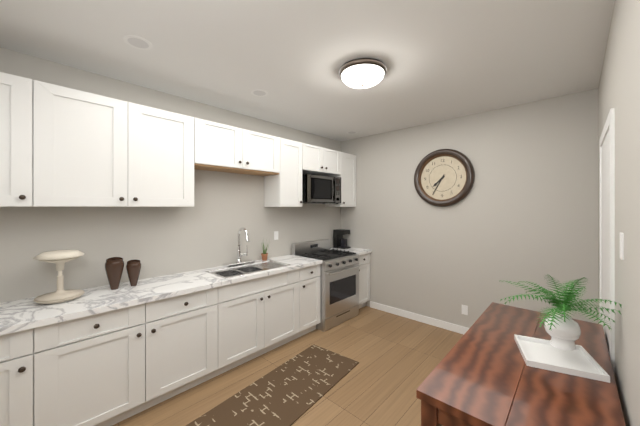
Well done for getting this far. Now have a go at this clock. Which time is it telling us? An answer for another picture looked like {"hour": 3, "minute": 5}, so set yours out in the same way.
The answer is {"hour": 7, "minute": 35}
